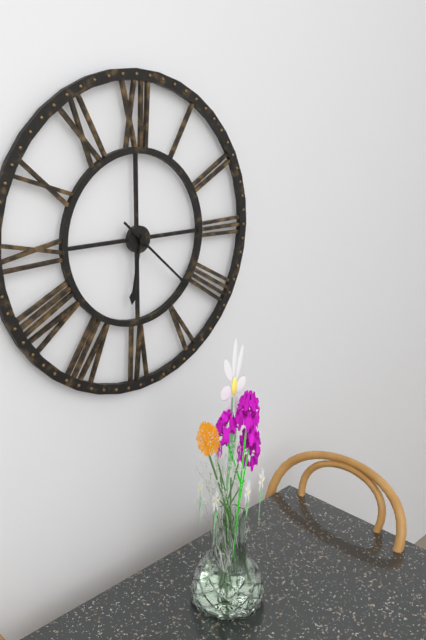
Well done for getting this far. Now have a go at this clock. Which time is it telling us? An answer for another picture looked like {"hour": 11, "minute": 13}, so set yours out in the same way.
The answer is {"hour": 6, "minute": 22}
